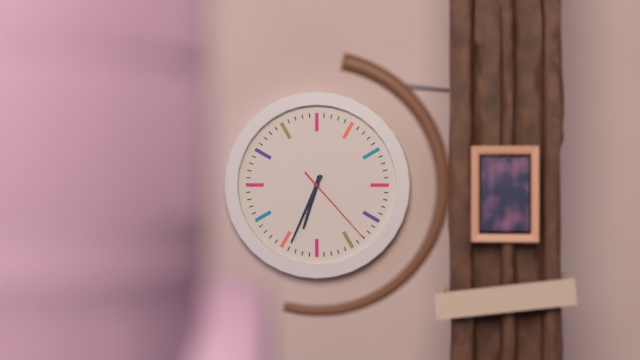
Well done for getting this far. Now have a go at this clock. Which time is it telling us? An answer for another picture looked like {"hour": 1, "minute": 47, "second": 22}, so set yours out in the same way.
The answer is {"hour": 6, "minute": 34, "second": 23}
